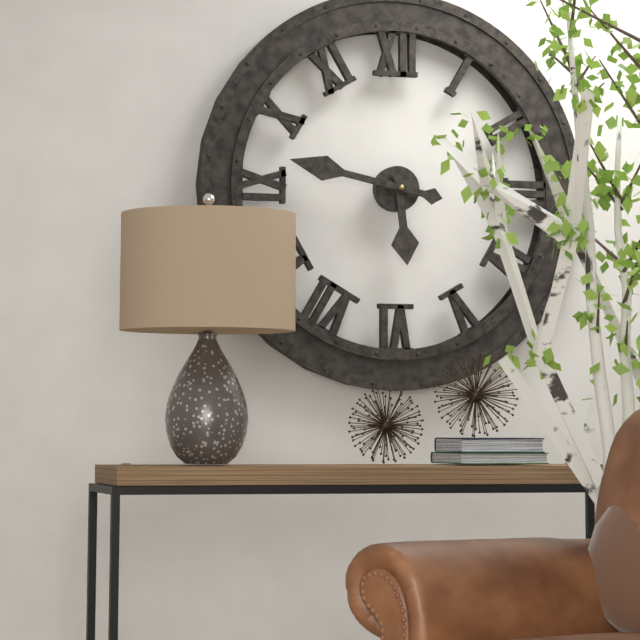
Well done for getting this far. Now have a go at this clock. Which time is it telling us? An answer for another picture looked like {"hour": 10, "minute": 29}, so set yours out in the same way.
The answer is {"hour": 5, "minute": 47}
